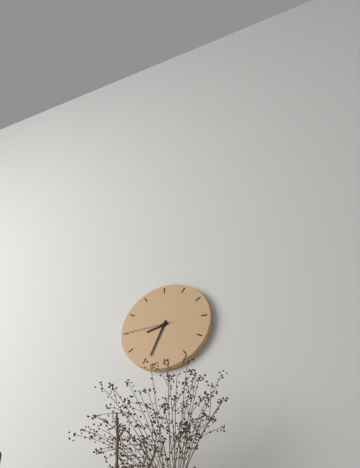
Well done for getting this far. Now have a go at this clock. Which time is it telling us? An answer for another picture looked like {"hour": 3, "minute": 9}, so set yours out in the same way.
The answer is {"hour": 8, "minute": 34}
